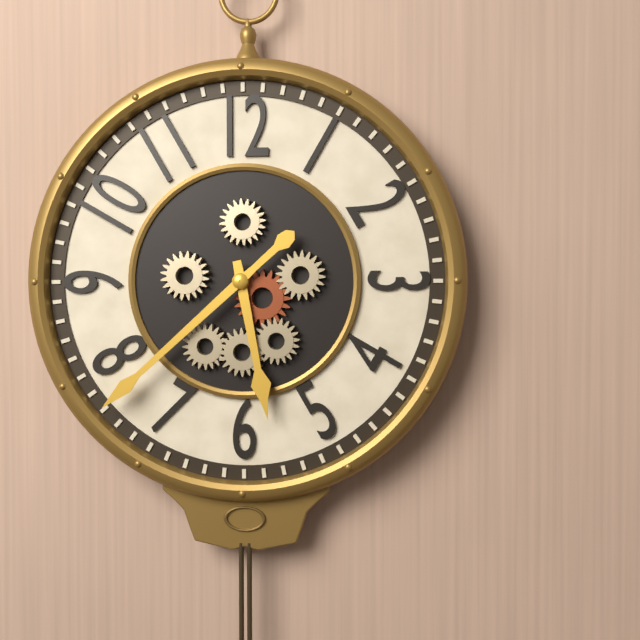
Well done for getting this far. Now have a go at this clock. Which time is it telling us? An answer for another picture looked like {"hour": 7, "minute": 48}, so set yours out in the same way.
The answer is {"hour": 5, "minute": 38}
